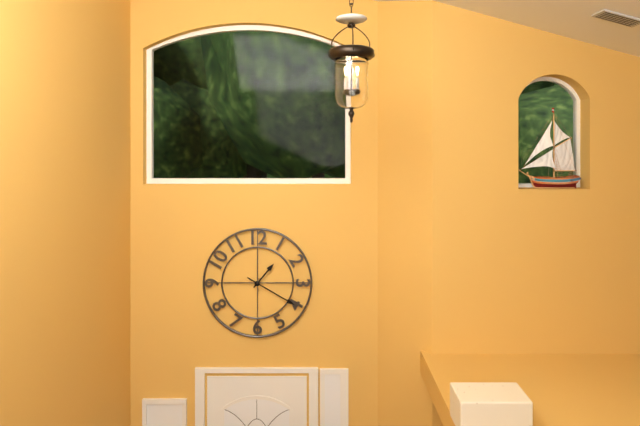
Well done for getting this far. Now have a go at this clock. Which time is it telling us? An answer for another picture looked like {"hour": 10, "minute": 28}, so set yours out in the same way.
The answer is {"hour": 1, "minute": 20}
